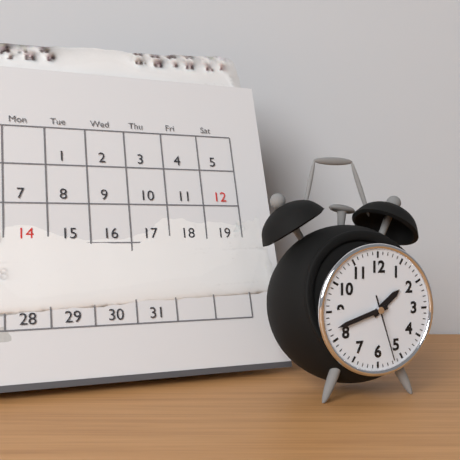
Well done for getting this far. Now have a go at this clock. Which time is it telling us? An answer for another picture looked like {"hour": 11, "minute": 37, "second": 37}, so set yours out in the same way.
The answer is {"hour": 1, "minute": 42, "second": 27}
